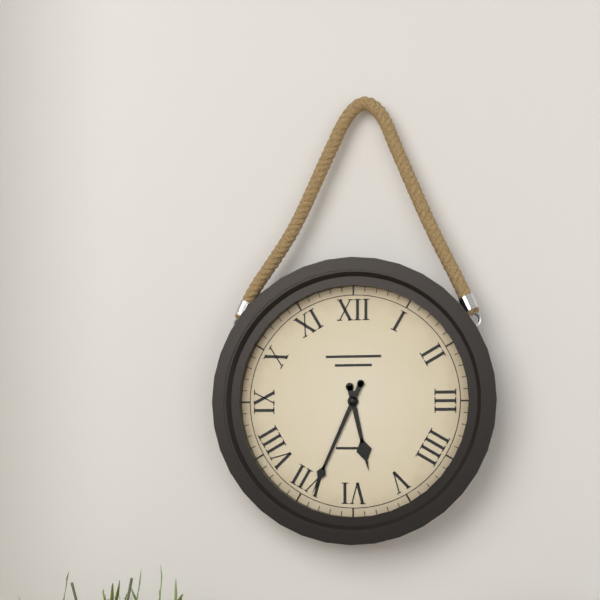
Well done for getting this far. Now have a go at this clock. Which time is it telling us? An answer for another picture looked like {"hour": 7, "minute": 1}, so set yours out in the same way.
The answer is {"hour": 5, "minute": 34}
